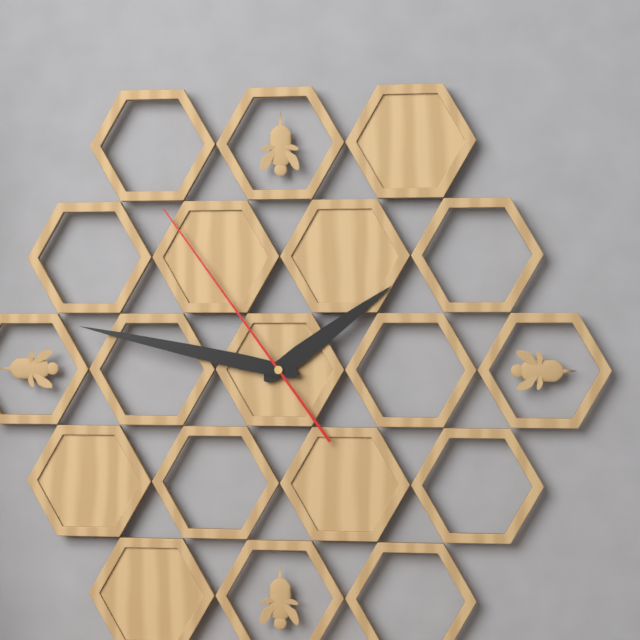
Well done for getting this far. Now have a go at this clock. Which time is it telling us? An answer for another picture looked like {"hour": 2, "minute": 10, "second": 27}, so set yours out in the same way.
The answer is {"hour": 1, "minute": 47, "second": 54}
